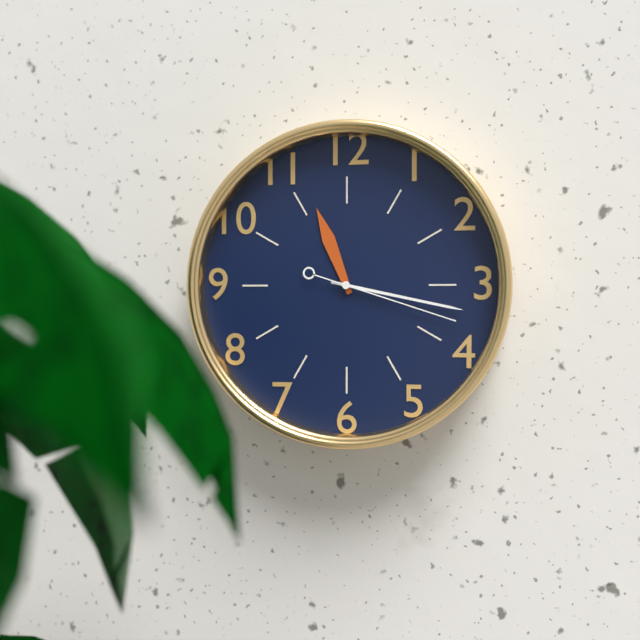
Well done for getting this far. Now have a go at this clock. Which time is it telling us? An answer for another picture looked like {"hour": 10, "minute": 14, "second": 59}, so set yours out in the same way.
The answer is {"hour": 11, "minute": 17, "second": 18}
